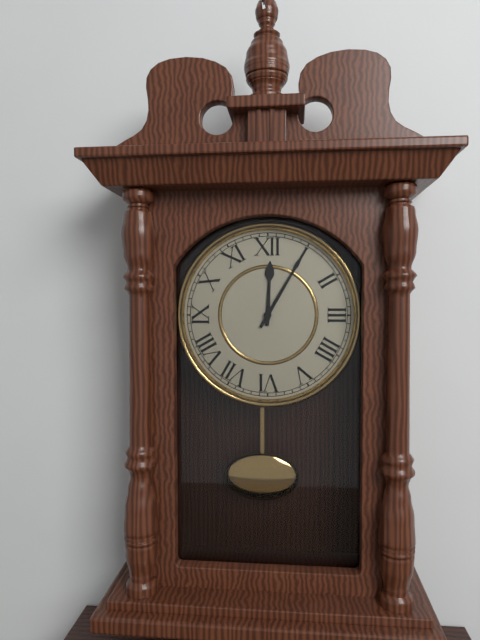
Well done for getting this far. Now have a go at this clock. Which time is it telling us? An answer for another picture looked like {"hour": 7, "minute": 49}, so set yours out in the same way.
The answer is {"hour": 12, "minute": 5}
